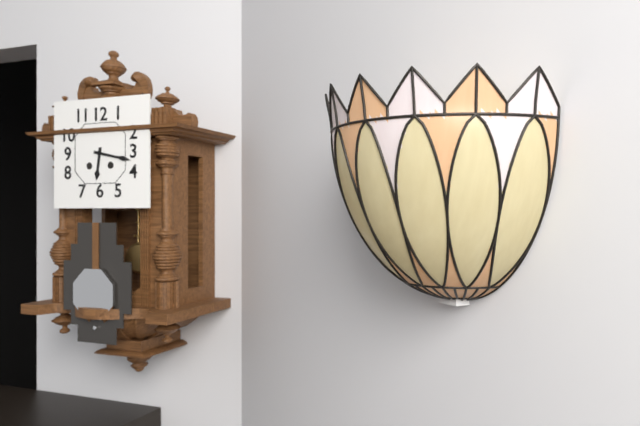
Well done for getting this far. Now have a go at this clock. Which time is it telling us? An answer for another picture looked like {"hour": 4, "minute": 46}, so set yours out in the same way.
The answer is {"hour": 6, "minute": 17}
